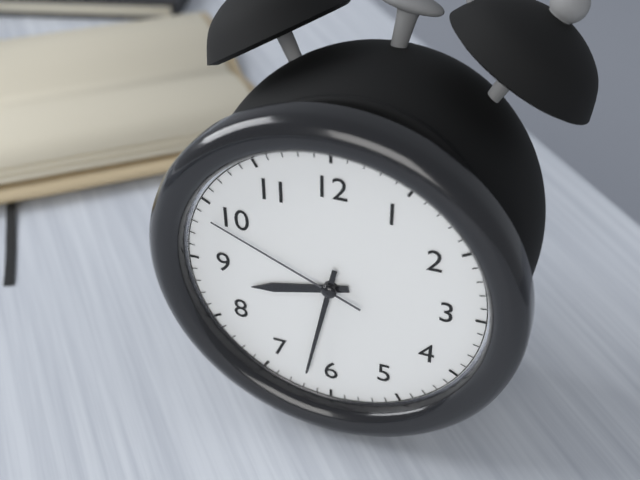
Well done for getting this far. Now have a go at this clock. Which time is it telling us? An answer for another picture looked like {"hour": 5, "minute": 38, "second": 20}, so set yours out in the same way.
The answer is {"hour": 8, "minute": 32, "second": 49}
